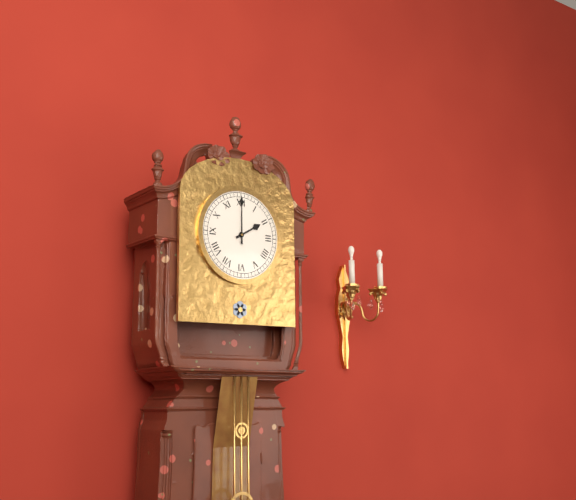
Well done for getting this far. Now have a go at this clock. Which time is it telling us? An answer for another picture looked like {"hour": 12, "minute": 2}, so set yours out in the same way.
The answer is {"hour": 2, "minute": 0}
